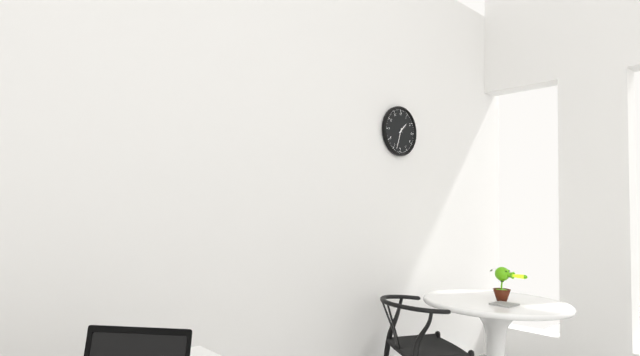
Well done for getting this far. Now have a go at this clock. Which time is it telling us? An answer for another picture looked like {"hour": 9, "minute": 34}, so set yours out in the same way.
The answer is {"hour": 1, "minute": 33}
